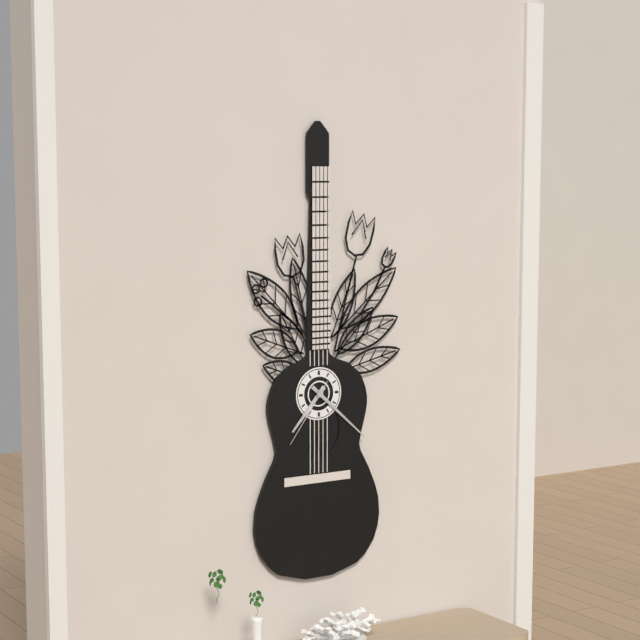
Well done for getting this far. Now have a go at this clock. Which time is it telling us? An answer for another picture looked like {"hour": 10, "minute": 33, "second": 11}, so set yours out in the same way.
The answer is {"hour": 7, "minute": 22, "second": 36}
